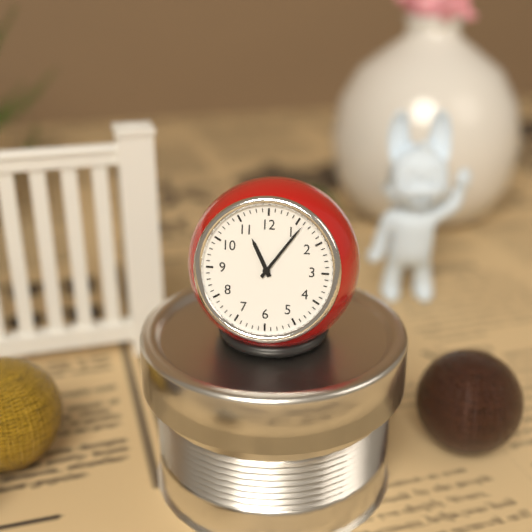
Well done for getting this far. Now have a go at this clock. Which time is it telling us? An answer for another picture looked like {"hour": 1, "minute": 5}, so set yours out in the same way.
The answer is {"hour": 11, "minute": 6}
